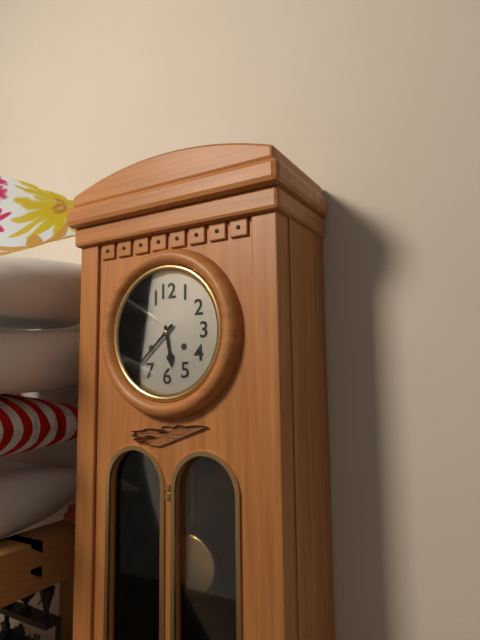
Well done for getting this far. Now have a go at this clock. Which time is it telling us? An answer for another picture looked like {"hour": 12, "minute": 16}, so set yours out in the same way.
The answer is {"hour": 5, "minute": 38}
